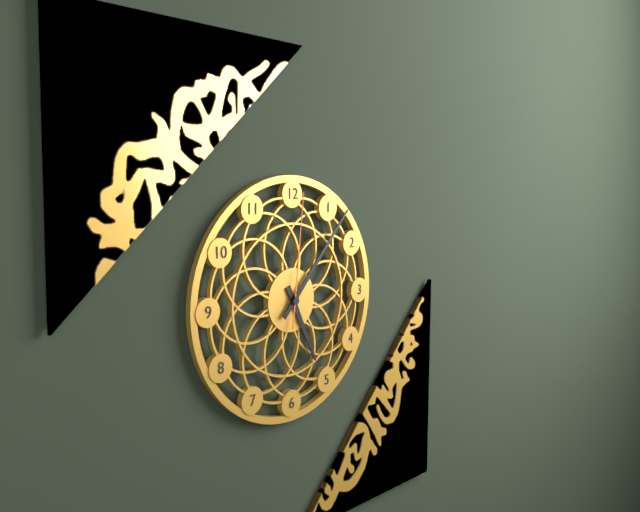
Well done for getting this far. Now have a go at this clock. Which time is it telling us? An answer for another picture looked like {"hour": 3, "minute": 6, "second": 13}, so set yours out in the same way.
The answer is {"hour": 5, "minute": 7, "second": 1}
